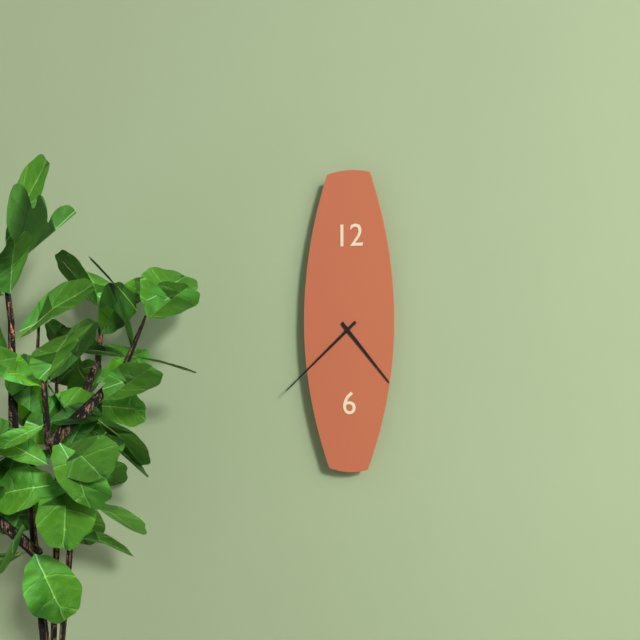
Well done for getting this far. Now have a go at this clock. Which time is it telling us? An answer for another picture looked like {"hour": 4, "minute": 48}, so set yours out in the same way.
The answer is {"hour": 4, "minute": 38}
